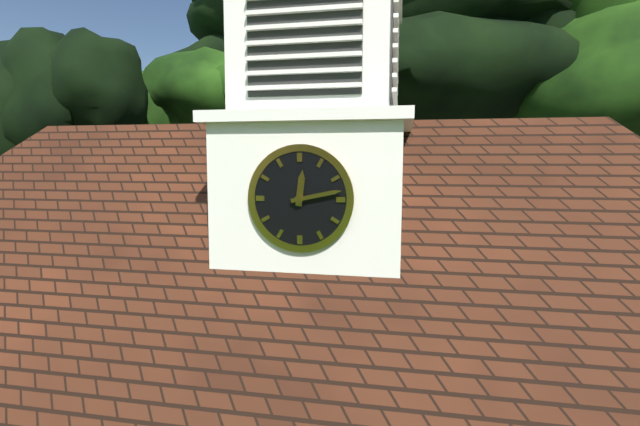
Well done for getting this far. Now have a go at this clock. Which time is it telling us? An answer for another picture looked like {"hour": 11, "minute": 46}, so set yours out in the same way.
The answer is {"hour": 12, "minute": 13}
